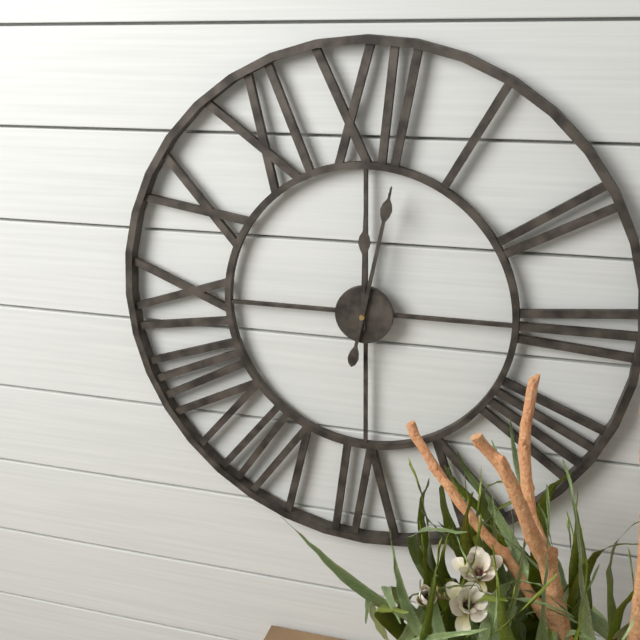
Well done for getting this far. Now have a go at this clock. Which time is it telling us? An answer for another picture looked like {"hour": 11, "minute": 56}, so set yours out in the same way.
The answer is {"hour": 12, "minute": 2}
